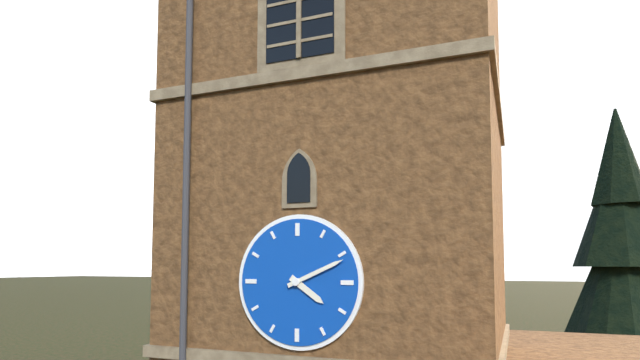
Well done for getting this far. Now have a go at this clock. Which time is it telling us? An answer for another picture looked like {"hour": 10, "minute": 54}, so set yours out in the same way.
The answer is {"hour": 4, "minute": 11}
